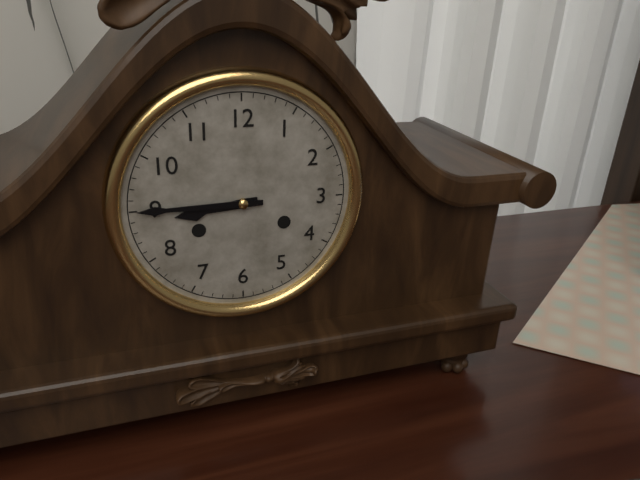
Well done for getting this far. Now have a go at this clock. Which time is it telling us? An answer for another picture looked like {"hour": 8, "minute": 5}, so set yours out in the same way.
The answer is {"hour": 8, "minute": 45}
